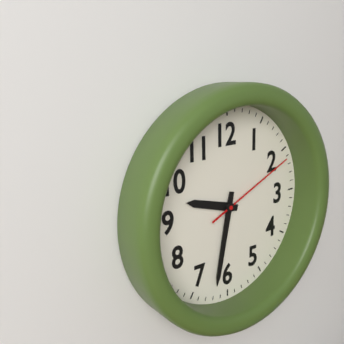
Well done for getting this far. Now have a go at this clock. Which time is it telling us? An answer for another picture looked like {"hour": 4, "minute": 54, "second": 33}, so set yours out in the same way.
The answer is {"hour": 9, "minute": 32, "second": 11}
